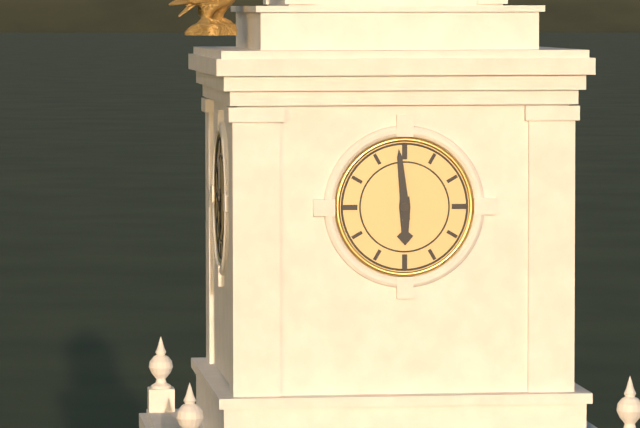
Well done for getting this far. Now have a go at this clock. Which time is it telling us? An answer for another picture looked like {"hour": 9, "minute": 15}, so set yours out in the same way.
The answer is {"hour": 5, "minute": 59}
